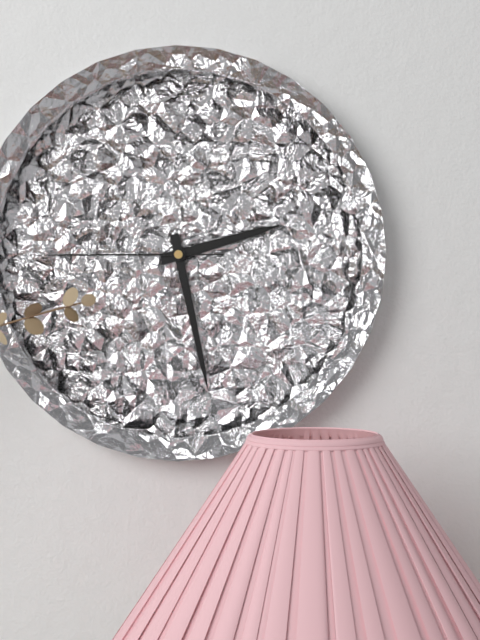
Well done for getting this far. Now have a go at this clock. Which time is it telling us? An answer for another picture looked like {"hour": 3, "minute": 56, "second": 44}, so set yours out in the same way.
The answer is {"hour": 2, "minute": 28, "second": 45}
